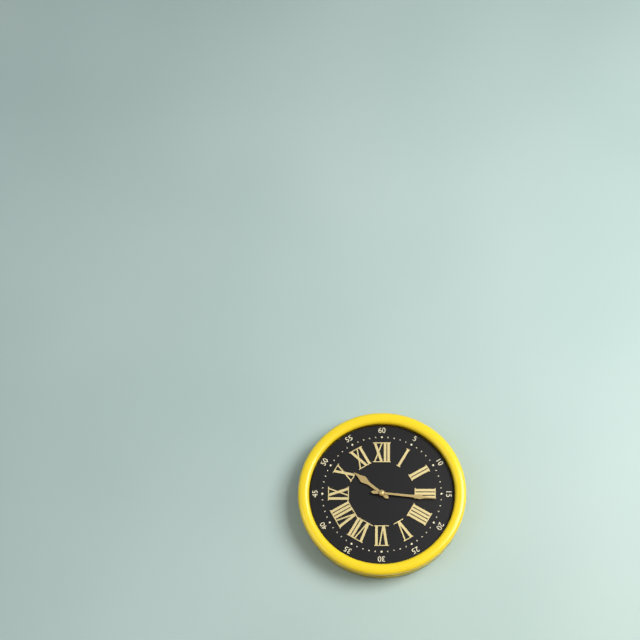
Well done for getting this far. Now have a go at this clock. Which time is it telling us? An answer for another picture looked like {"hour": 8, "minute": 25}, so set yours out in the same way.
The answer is {"hour": 10, "minute": 16}
